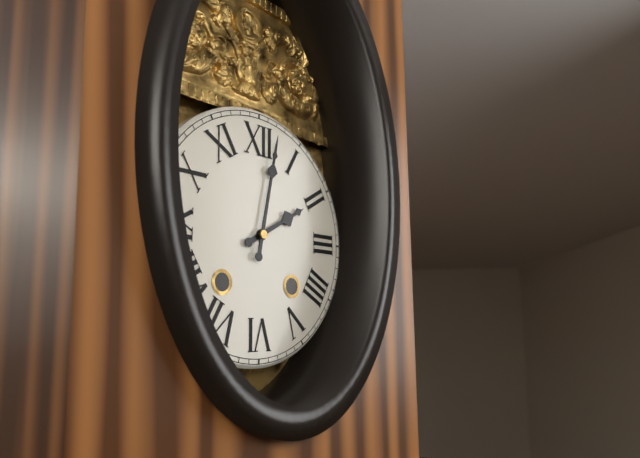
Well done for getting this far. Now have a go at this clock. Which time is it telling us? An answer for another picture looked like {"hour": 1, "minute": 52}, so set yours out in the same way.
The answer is {"hour": 2, "minute": 2}
